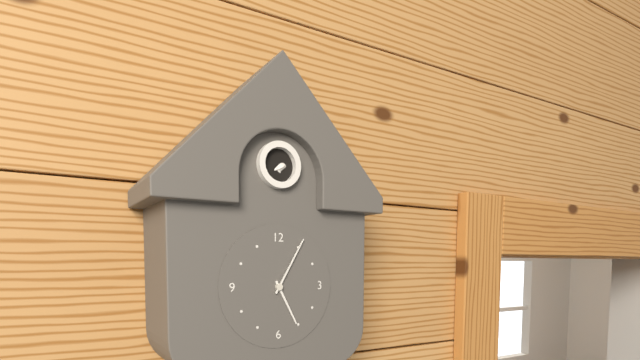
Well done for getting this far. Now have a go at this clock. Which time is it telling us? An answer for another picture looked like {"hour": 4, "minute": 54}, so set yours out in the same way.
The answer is {"hour": 5, "minute": 5}
